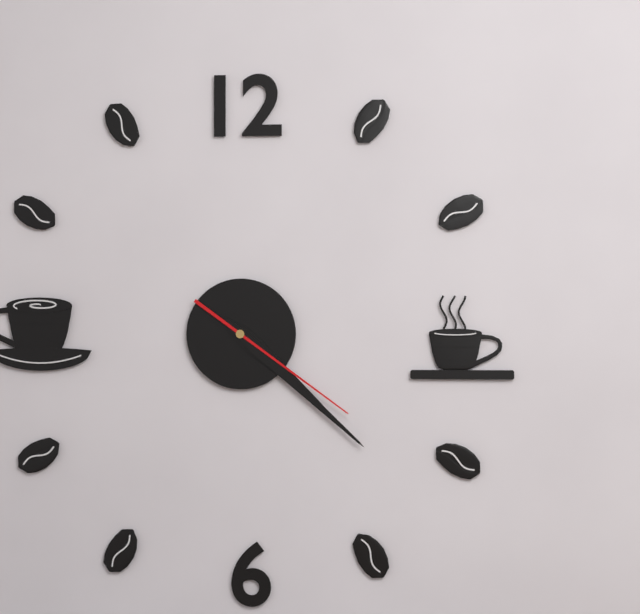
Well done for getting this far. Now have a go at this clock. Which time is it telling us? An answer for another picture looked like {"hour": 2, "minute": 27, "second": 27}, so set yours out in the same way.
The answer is {"hour": 4, "minute": 22, "second": 21}
